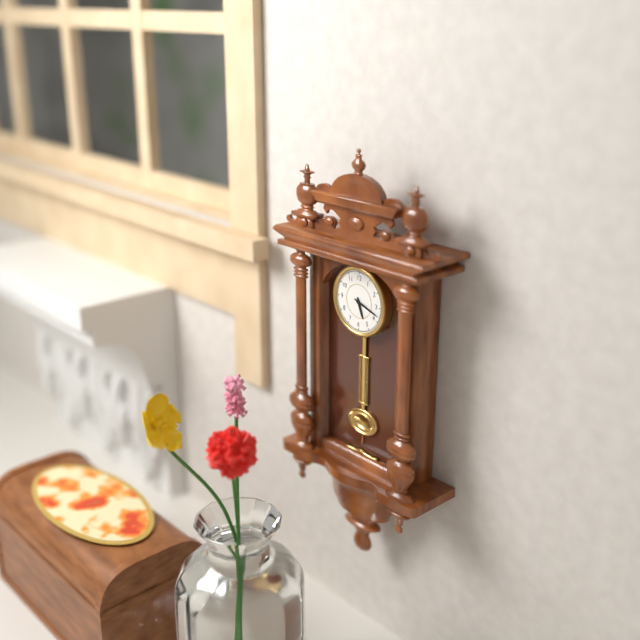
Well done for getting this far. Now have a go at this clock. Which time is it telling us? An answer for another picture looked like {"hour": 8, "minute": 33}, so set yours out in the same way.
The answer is {"hour": 5, "minute": 18}
